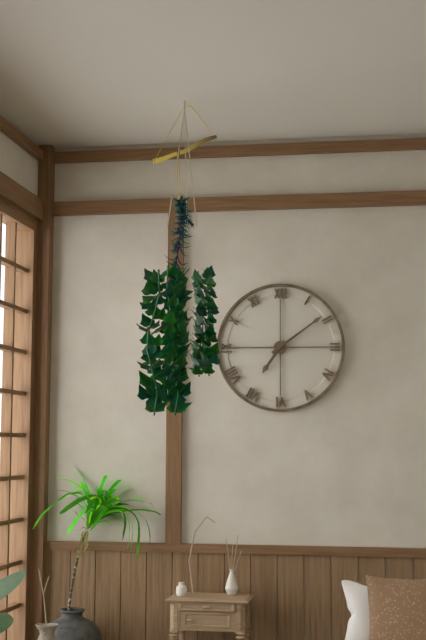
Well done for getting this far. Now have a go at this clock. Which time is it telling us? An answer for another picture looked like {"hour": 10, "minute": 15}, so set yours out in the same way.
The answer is {"hour": 7, "minute": 9}
